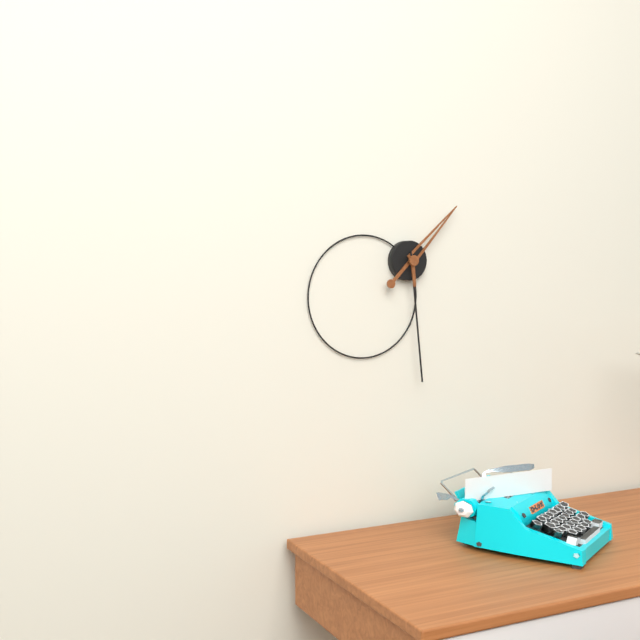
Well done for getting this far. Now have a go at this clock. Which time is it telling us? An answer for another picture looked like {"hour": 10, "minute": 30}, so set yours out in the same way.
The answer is {"hour": 1, "minute": 29}
